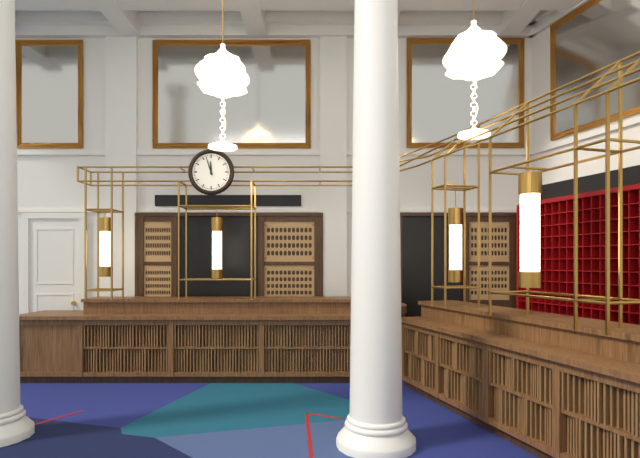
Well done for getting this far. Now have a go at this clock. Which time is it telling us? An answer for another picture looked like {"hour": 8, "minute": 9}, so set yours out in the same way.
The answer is {"hour": 11, "minute": 57}
